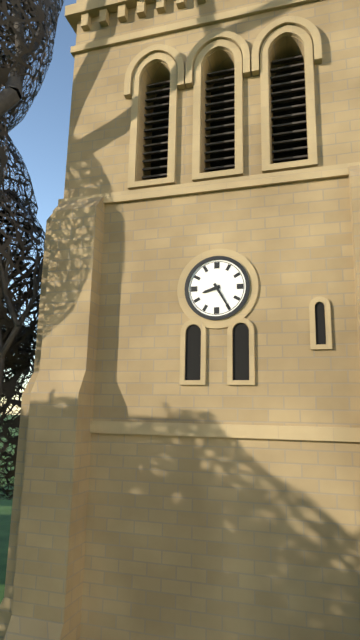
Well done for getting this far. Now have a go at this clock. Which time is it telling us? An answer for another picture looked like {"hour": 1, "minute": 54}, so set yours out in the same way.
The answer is {"hour": 8, "minute": 25}
